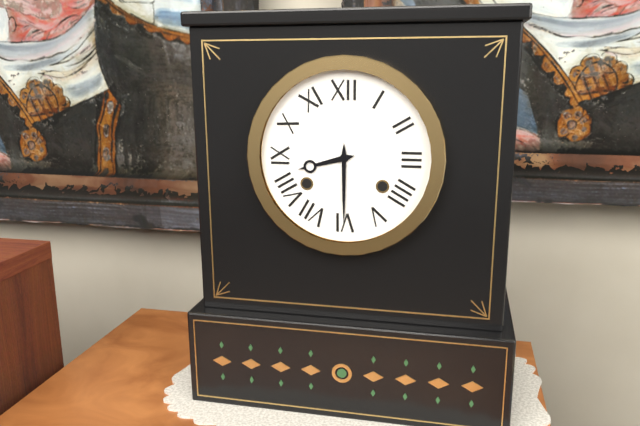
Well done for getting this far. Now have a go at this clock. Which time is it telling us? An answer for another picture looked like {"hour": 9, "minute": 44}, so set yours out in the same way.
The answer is {"hour": 8, "minute": 30}
